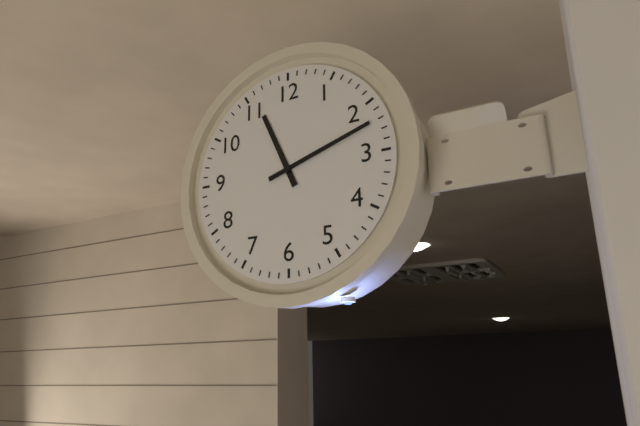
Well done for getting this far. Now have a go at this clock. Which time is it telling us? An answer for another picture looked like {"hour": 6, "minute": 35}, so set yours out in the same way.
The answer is {"hour": 11, "minute": 12}
